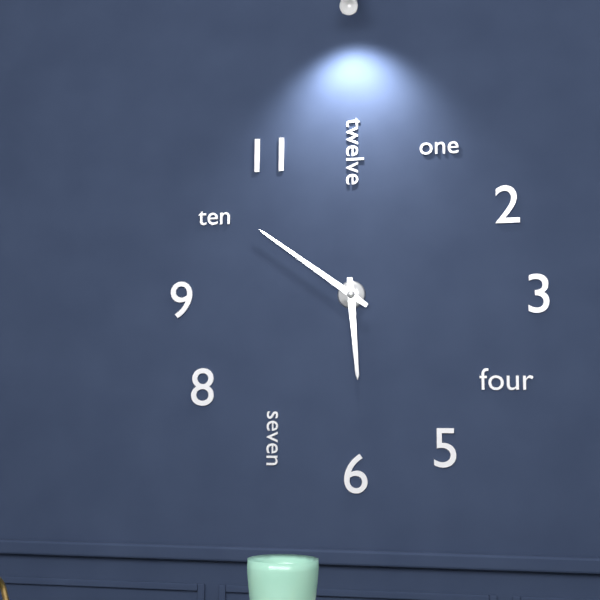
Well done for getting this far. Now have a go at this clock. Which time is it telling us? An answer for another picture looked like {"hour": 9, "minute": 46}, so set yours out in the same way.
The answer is {"hour": 5, "minute": 51}
